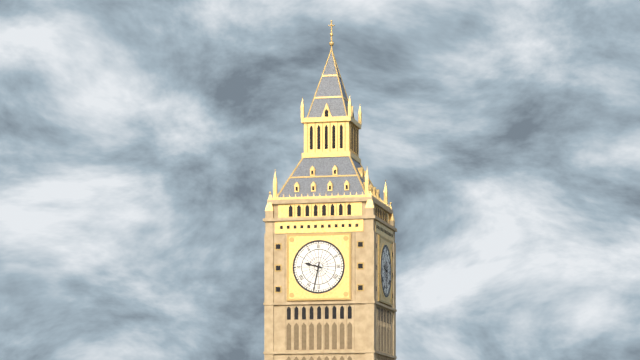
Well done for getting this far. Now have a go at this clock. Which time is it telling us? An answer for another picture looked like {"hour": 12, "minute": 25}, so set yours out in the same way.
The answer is {"hour": 9, "minute": 32}
